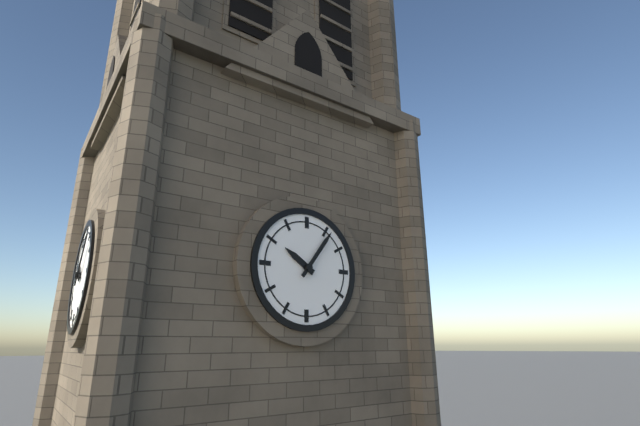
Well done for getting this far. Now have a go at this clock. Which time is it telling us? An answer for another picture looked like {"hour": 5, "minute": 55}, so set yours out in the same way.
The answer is {"hour": 10, "minute": 6}
